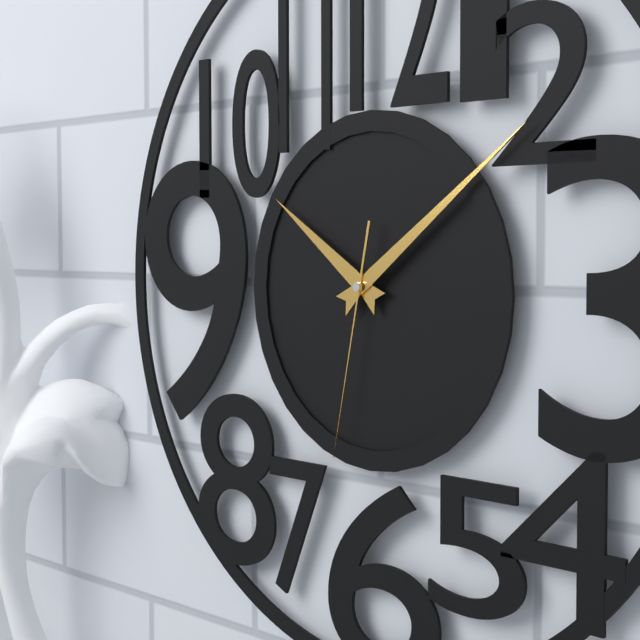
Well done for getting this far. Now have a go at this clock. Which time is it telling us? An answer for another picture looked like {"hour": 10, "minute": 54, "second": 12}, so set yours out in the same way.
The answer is {"hour": 10, "minute": 9, "second": 32}
